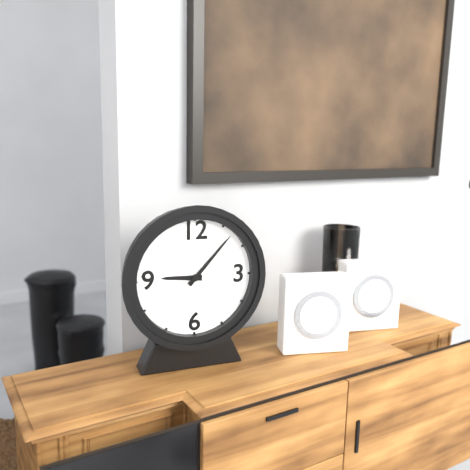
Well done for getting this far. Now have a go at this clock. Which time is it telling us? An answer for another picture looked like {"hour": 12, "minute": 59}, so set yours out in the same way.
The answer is {"hour": 9, "minute": 7}
